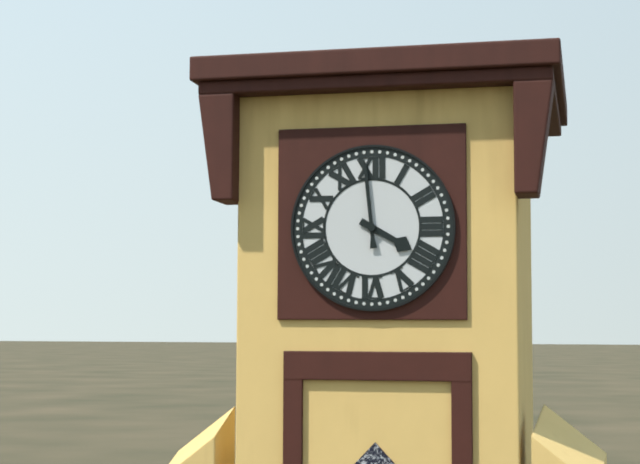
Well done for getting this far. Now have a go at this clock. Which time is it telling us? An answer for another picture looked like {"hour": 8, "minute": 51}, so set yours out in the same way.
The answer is {"hour": 3, "minute": 59}
